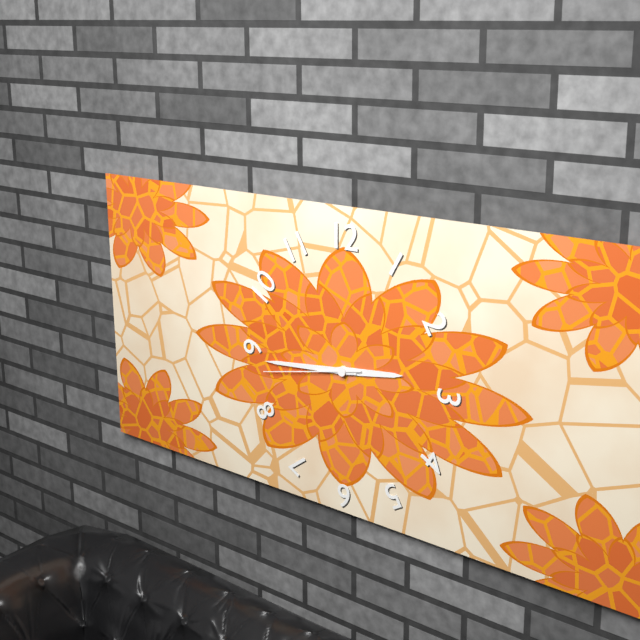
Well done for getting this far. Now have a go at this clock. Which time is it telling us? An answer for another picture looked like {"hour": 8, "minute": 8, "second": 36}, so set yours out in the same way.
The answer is {"hour": 2, "minute": 44, "second": 43}
